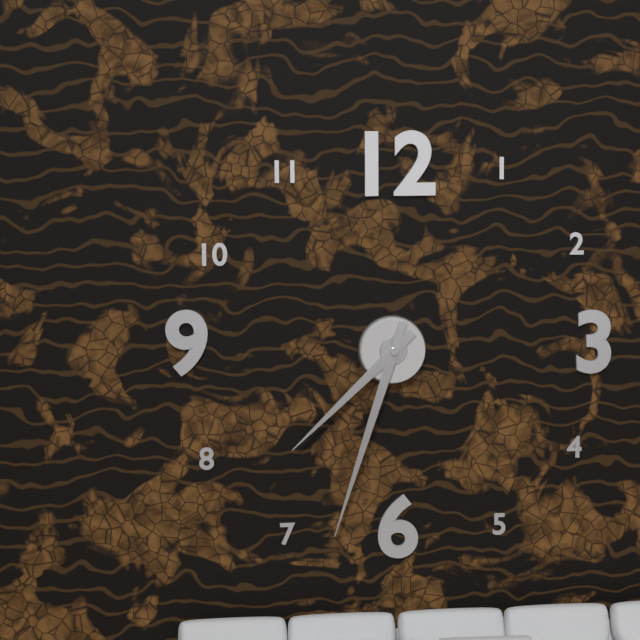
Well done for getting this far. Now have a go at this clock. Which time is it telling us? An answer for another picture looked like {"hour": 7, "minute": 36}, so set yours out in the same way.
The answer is {"hour": 7, "minute": 33}
